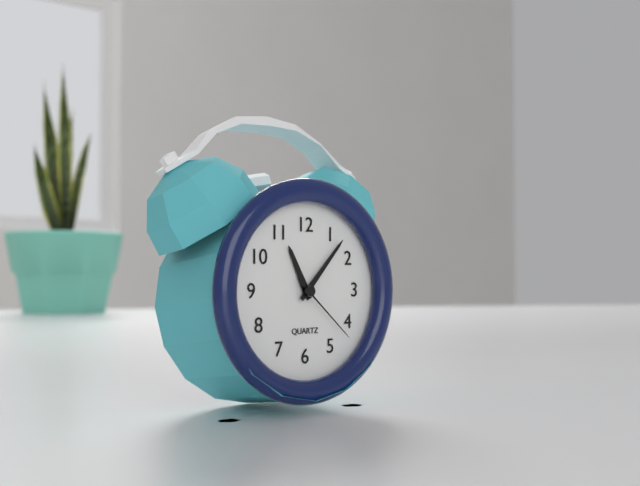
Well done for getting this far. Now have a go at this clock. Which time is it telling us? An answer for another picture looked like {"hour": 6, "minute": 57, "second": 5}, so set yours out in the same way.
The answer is {"hour": 11, "minute": 7, "second": 22}
